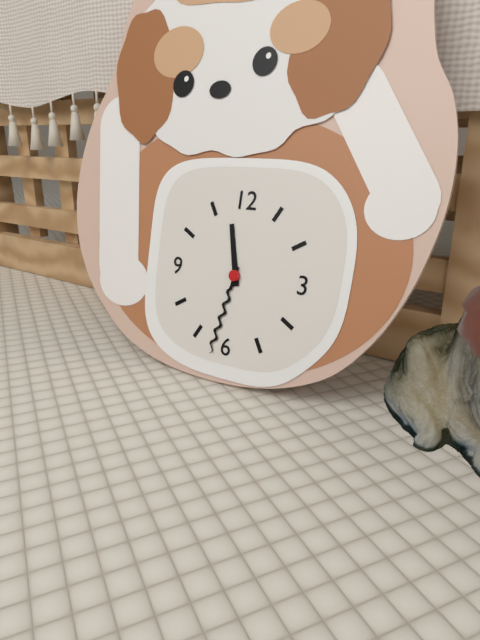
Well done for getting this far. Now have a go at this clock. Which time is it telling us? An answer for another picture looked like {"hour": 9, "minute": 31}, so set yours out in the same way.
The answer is {"hour": 11, "minute": 32}
